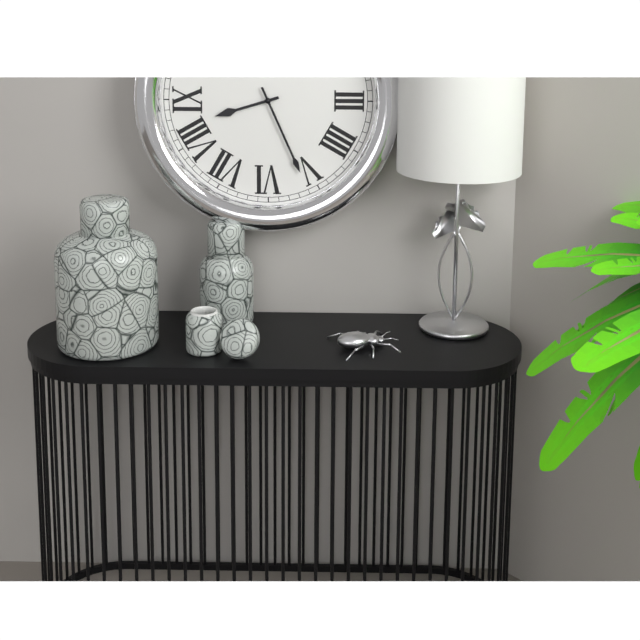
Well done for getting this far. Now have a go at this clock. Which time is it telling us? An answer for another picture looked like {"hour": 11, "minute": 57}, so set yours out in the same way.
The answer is {"hour": 8, "minute": 26}
